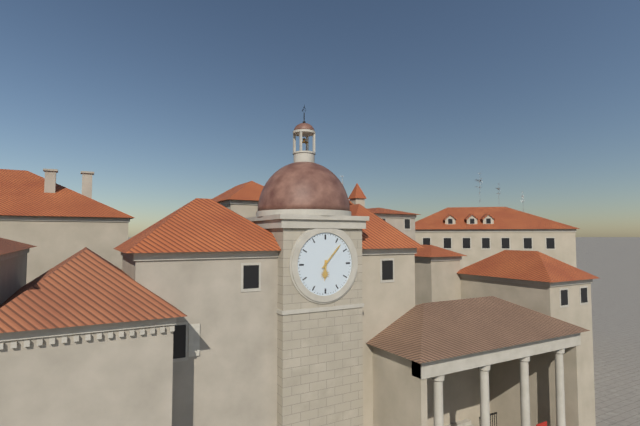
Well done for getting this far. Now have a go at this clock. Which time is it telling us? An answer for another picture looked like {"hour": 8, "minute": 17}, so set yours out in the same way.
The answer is {"hour": 6, "minute": 7}
